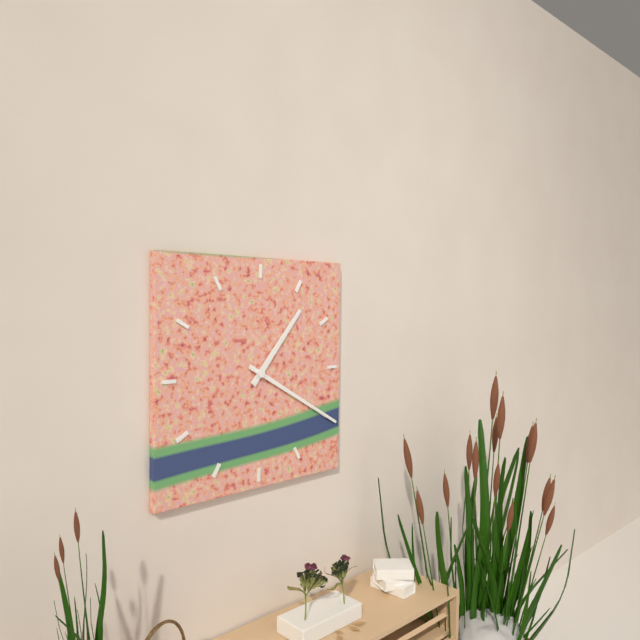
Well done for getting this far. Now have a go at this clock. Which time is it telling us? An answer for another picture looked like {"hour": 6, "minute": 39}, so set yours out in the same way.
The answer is {"hour": 1, "minute": 20}
